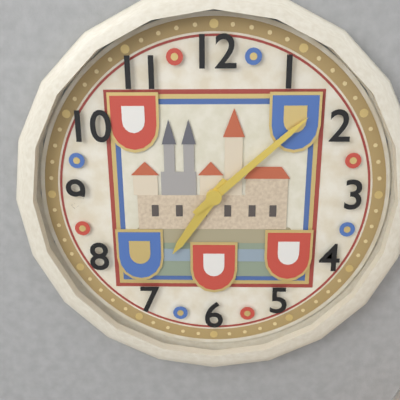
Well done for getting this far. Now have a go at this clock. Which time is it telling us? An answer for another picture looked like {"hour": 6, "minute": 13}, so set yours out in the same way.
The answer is {"hour": 7, "minute": 8}
